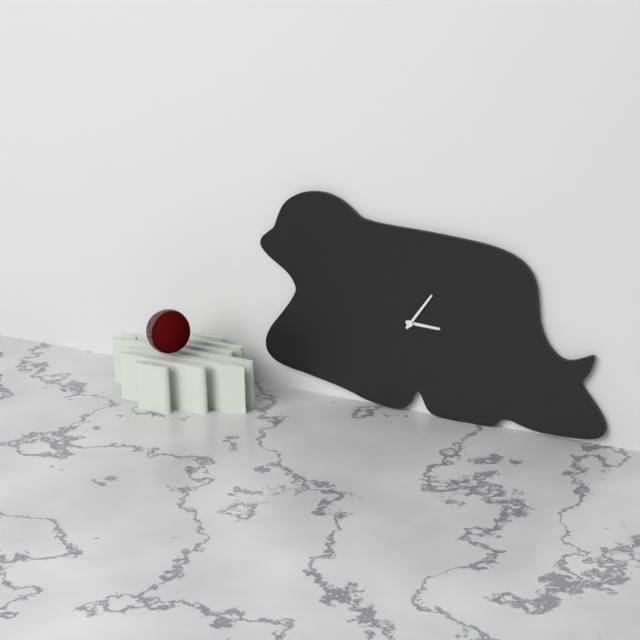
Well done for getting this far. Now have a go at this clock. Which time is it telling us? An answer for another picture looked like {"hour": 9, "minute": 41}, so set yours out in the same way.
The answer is {"hour": 3, "minute": 6}
